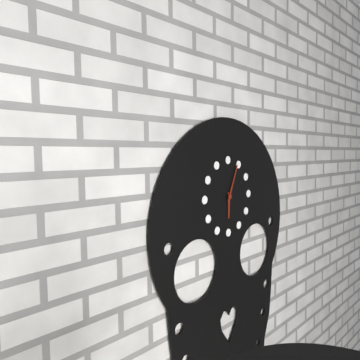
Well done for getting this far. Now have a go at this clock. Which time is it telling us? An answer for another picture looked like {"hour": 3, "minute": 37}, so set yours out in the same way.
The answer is {"hour": 6, "minute": 4}
